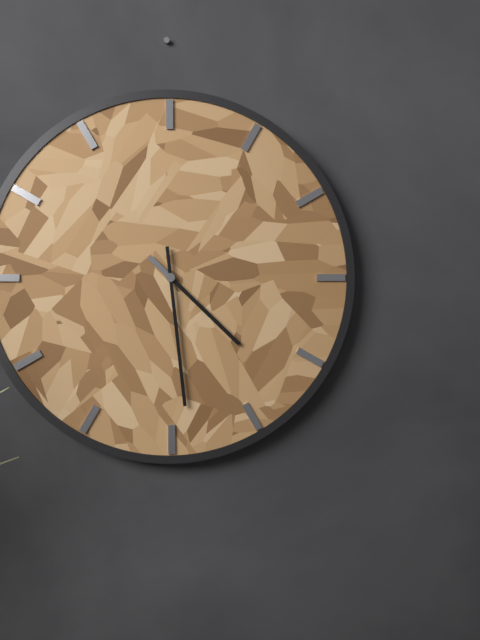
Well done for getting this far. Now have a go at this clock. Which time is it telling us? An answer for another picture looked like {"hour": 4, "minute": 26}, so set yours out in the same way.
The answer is {"hour": 4, "minute": 29}
